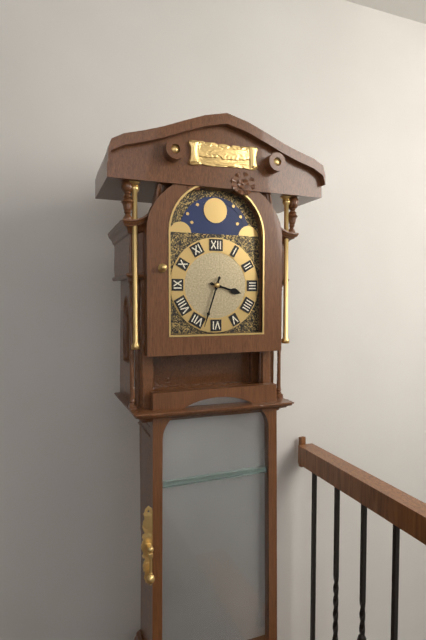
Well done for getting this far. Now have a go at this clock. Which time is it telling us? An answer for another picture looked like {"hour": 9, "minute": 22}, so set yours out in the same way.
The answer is {"hour": 3, "minute": 33}
